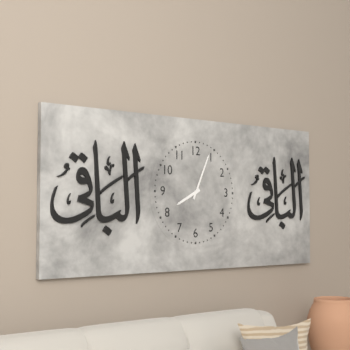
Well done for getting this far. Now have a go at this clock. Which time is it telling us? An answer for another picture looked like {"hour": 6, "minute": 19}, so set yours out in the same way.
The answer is {"hour": 8, "minute": 4}
